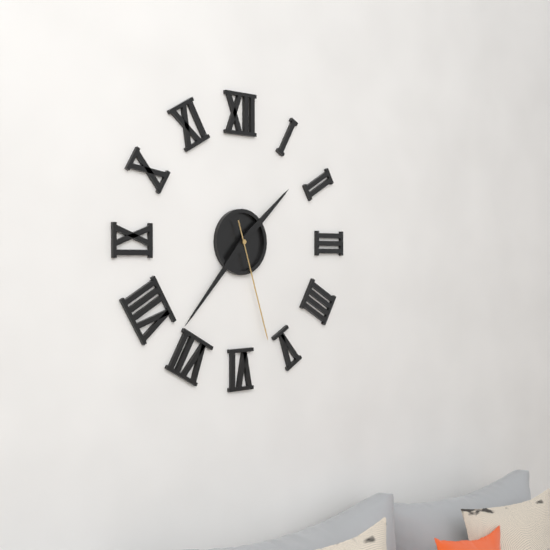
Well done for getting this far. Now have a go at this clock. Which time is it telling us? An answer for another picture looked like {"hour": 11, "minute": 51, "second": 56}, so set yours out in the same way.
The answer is {"hour": 1, "minute": 37, "second": 27}
